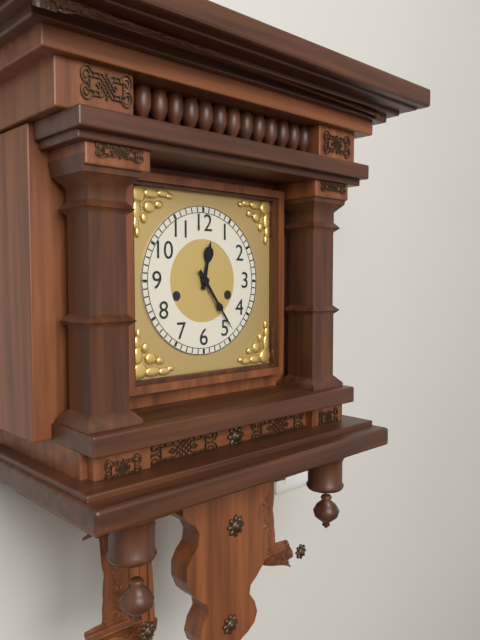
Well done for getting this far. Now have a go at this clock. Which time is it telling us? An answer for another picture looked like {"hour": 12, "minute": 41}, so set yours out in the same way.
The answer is {"hour": 12, "minute": 24}
